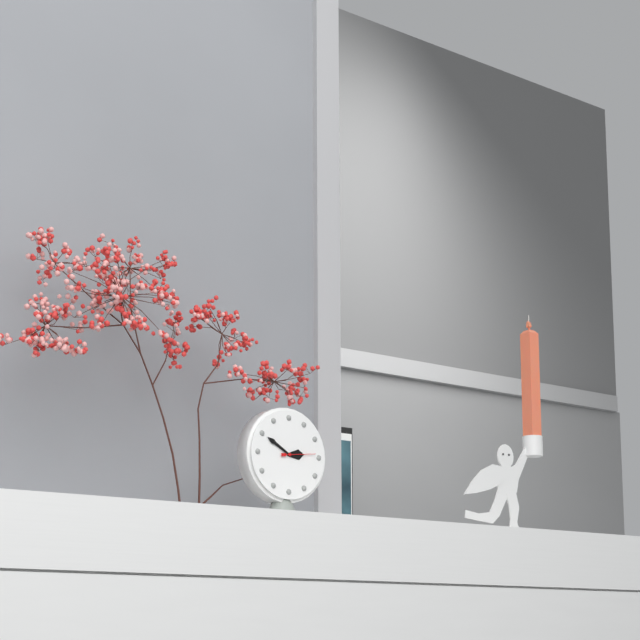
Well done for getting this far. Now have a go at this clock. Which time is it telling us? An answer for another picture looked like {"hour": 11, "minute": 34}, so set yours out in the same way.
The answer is {"hour": 2, "minute": 50}
